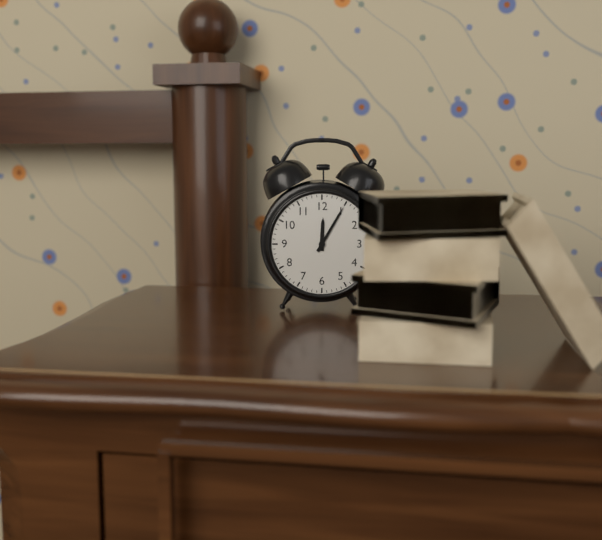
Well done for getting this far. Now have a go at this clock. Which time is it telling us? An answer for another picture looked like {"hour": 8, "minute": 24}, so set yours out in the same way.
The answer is {"hour": 12, "minute": 5}
